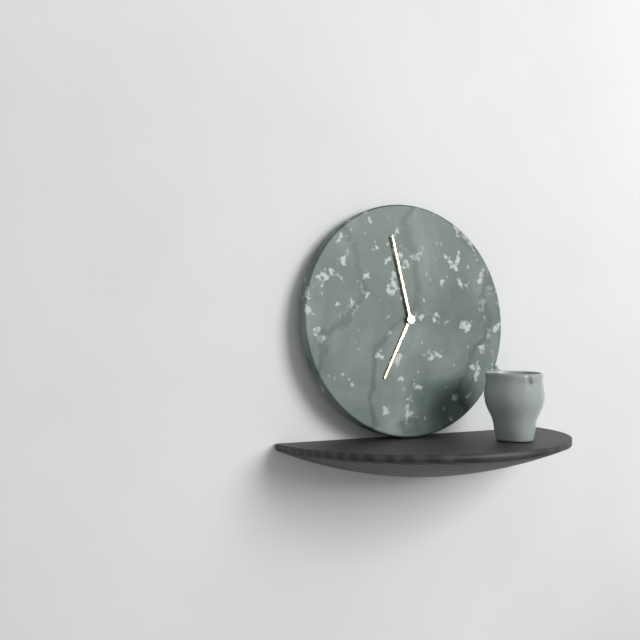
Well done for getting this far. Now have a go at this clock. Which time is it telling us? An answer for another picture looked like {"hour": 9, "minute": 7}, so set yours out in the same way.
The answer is {"hour": 6, "minute": 58}
